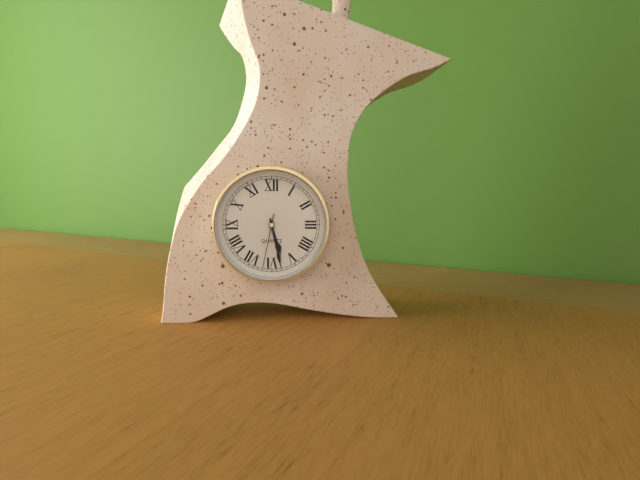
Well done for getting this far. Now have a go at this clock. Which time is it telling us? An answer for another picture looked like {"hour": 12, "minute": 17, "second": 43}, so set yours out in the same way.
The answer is {"hour": 5, "minute": 28, "second": 32}
